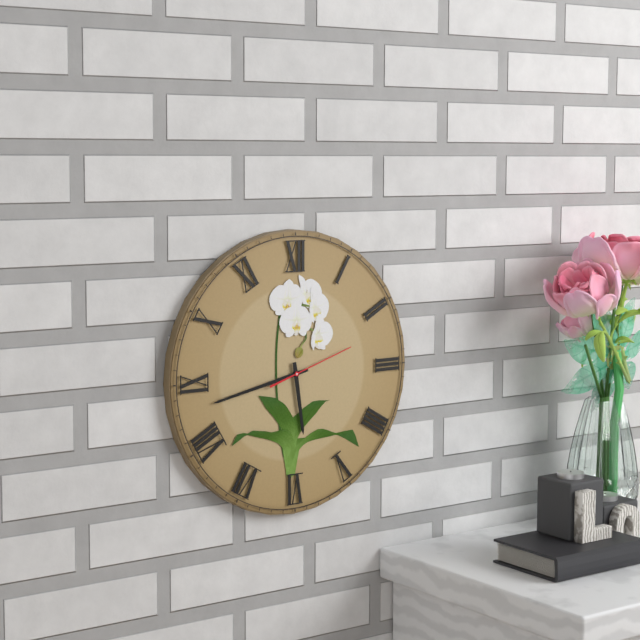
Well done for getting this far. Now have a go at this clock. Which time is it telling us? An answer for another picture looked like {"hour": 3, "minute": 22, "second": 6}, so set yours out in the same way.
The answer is {"hour": 5, "minute": 43, "second": 12}
